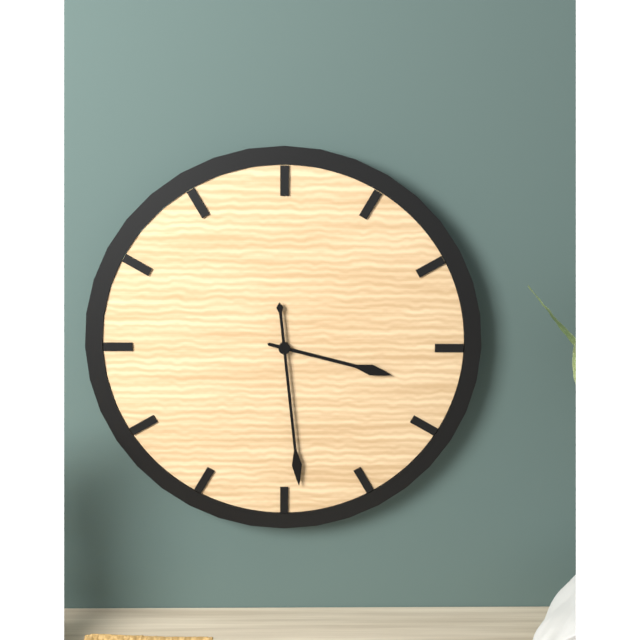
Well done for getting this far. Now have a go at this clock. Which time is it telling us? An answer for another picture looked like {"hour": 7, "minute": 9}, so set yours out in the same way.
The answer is {"hour": 3, "minute": 29}
